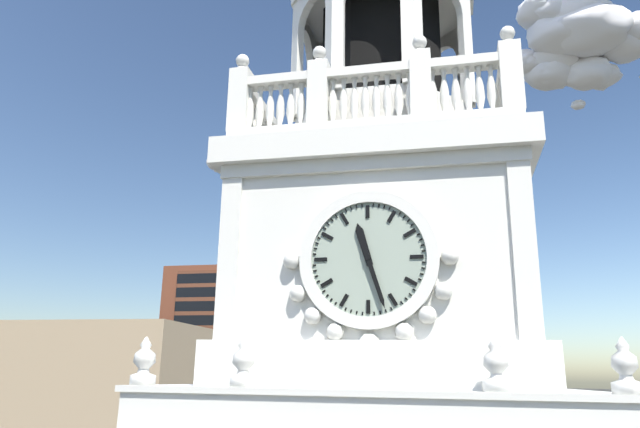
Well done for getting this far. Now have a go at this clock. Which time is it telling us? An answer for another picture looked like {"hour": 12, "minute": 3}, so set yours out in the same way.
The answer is {"hour": 11, "minute": 27}
